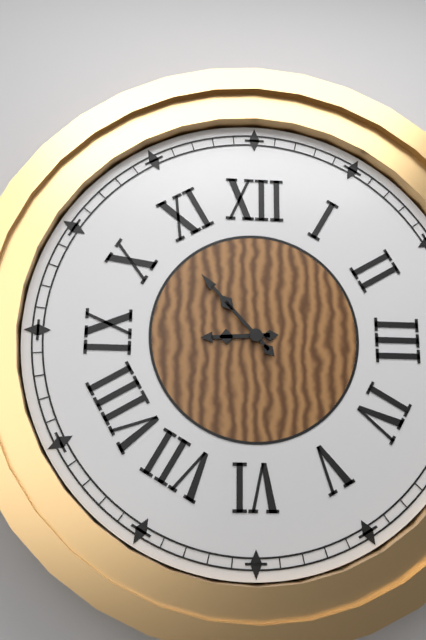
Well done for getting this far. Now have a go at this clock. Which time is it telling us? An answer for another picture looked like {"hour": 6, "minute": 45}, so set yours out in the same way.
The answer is {"hour": 8, "minute": 53}
